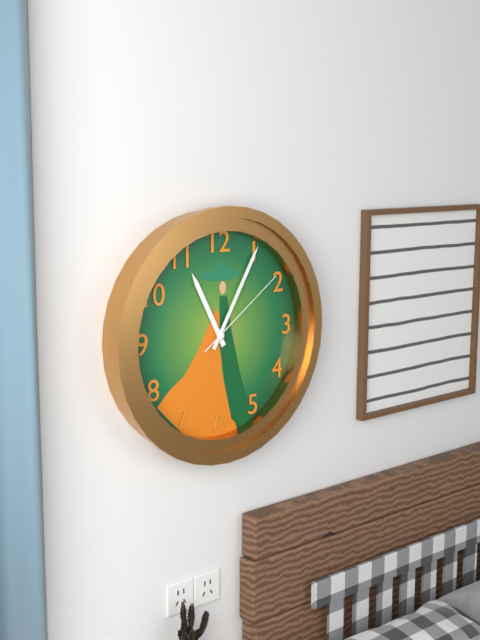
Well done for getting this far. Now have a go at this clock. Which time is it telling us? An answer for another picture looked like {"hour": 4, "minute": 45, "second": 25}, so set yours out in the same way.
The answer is {"hour": 11, "minute": 5, "second": 9}
